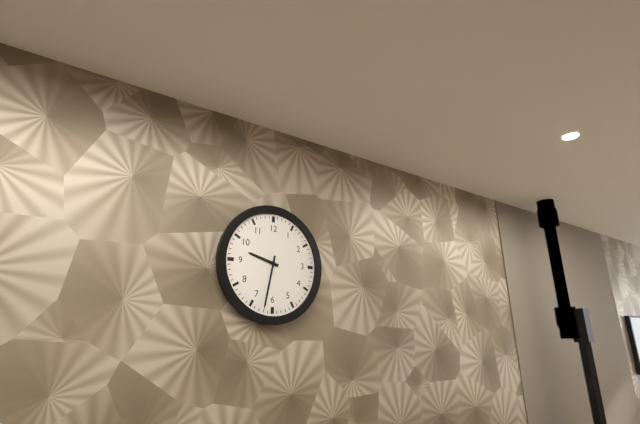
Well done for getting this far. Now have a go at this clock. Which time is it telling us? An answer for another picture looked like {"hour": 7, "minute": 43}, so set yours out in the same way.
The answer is {"hour": 9, "minute": 32}
